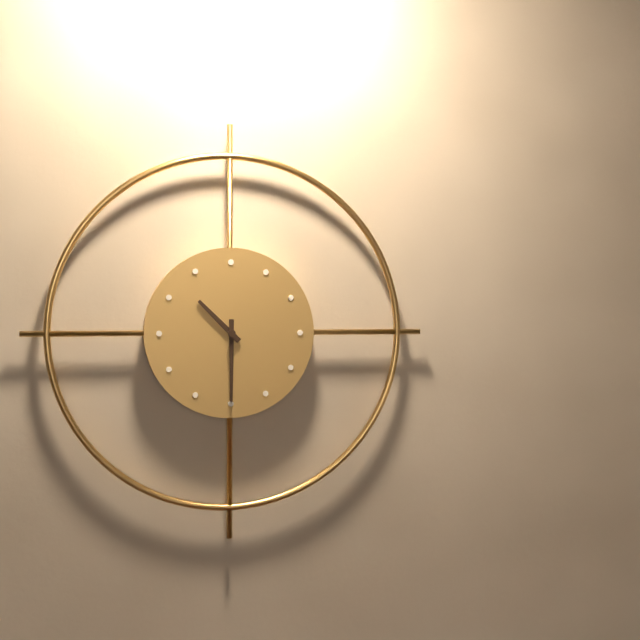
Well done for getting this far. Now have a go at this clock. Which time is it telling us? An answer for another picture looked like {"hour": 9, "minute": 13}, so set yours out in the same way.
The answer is {"hour": 10, "minute": 30}
